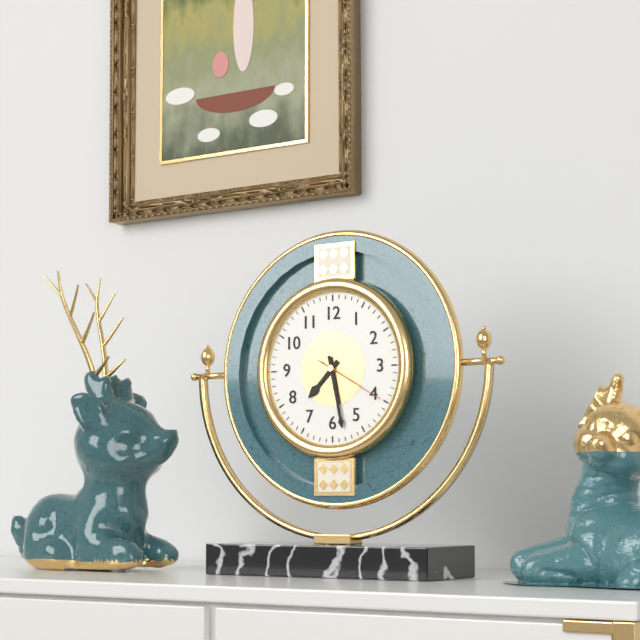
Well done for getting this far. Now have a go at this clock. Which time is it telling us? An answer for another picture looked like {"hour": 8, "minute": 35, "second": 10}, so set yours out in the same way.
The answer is {"hour": 7, "minute": 28, "second": 20}
